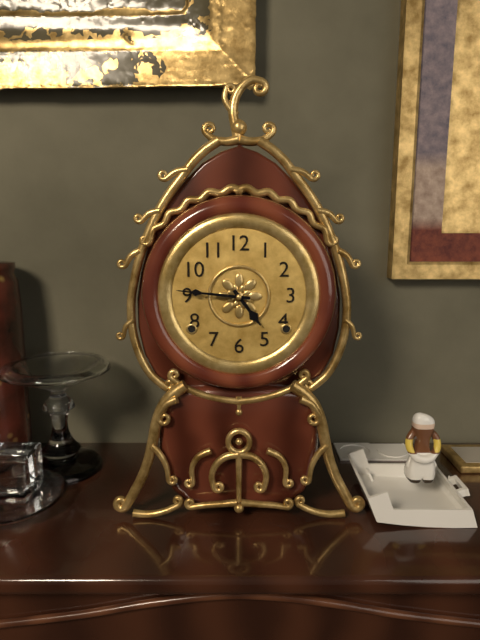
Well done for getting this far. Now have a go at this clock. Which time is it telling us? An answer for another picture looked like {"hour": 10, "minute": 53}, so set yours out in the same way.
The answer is {"hour": 4, "minute": 46}
